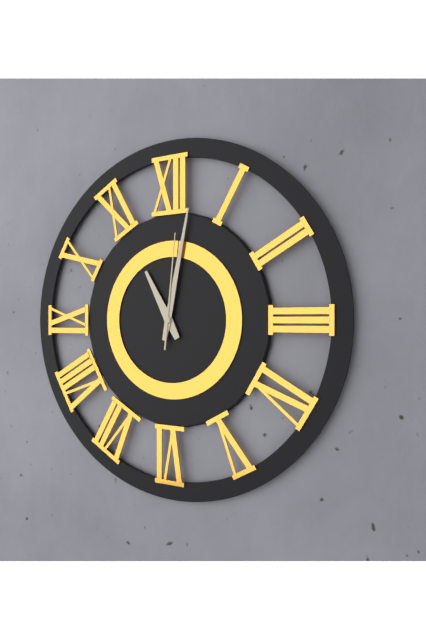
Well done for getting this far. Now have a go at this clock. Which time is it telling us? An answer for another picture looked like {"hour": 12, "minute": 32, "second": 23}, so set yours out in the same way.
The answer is {"hour": 11, "minute": 2, "second": 1}
